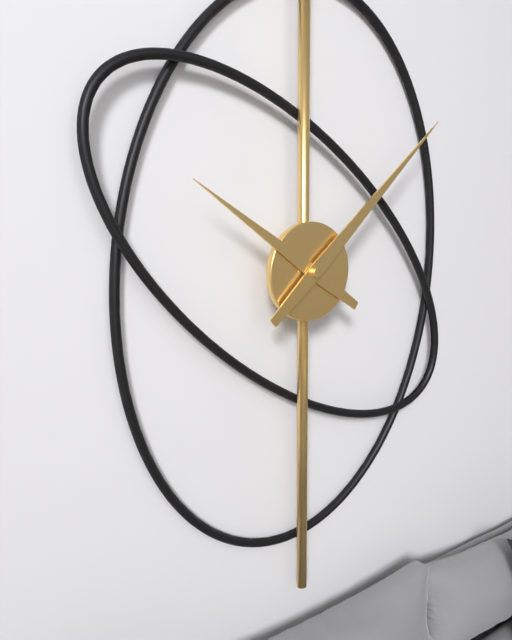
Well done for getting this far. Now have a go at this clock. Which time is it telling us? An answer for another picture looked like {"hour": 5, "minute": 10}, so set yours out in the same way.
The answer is {"hour": 10, "minute": 8}
